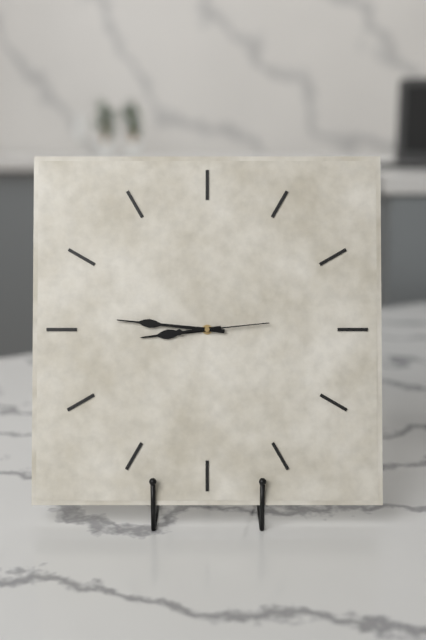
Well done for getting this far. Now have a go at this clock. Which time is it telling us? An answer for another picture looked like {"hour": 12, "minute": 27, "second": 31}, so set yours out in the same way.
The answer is {"hour": 8, "minute": 46, "second": 14}
